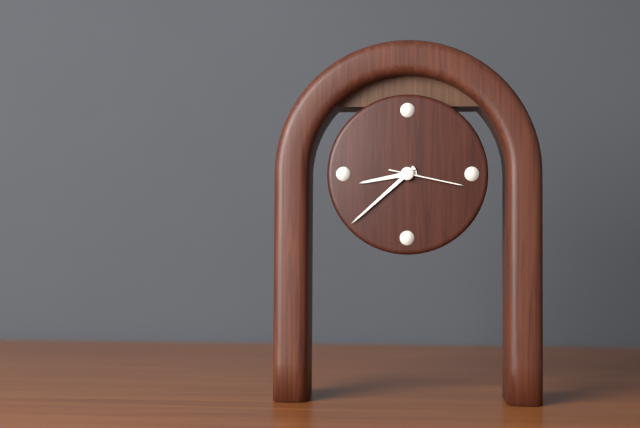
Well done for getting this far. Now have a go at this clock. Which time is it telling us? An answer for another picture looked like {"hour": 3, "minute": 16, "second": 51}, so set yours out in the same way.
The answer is {"hour": 8, "minute": 38, "second": 17}
